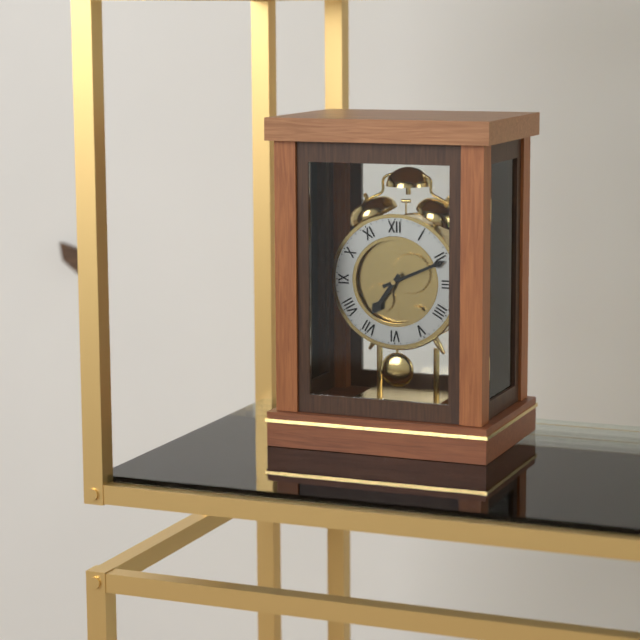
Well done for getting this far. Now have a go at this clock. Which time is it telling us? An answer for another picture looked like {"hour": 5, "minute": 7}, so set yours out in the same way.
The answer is {"hour": 7, "minute": 11}
